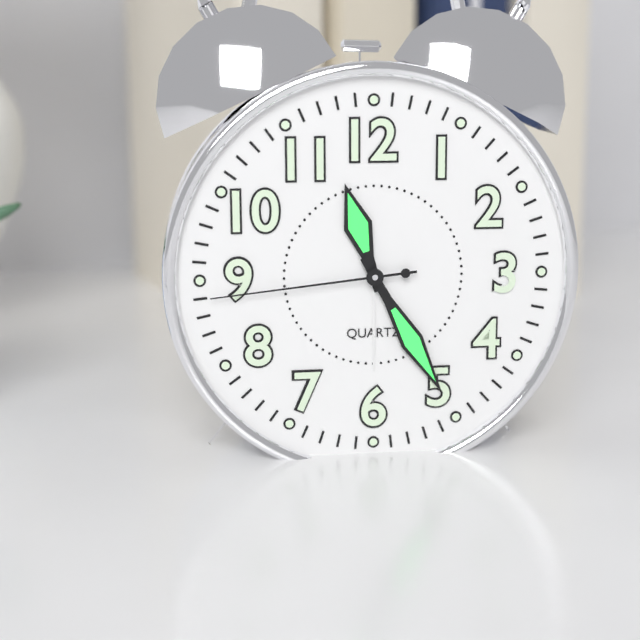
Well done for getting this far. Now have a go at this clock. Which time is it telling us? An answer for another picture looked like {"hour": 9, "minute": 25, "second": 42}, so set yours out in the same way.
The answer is {"hour": 11, "minute": 25, "second": 44}
